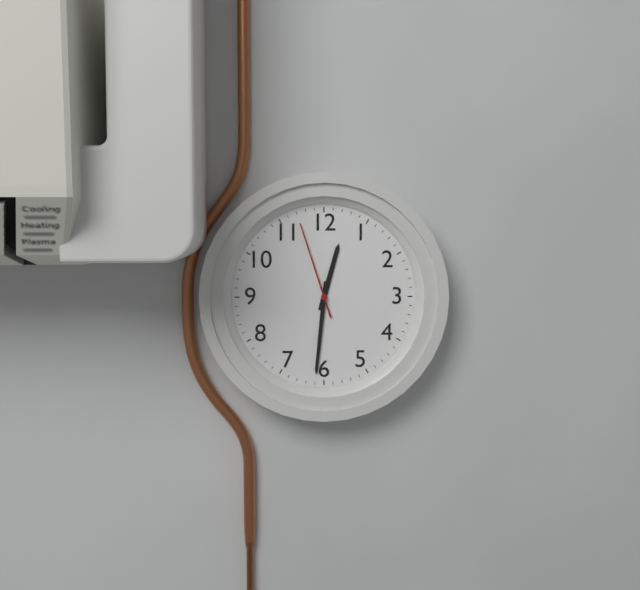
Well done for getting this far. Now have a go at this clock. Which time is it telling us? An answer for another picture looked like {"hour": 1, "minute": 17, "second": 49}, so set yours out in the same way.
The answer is {"hour": 12, "minute": 31, "second": 57}
